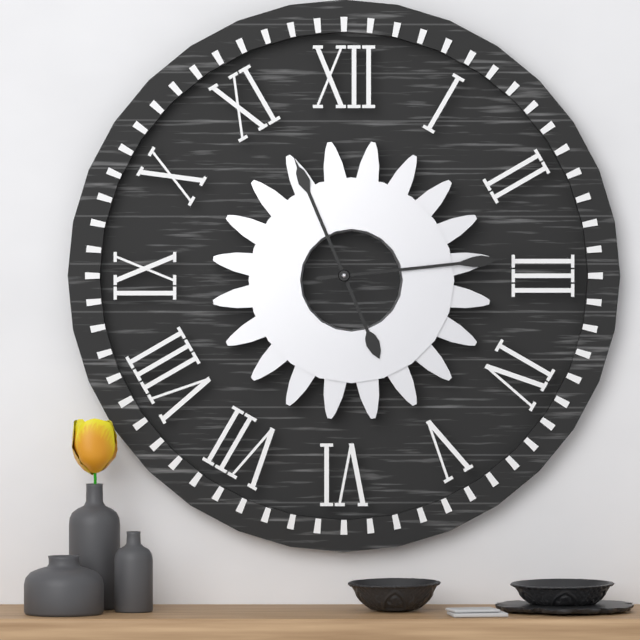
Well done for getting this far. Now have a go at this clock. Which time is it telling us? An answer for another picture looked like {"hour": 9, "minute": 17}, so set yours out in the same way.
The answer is {"hour": 11, "minute": 14}
